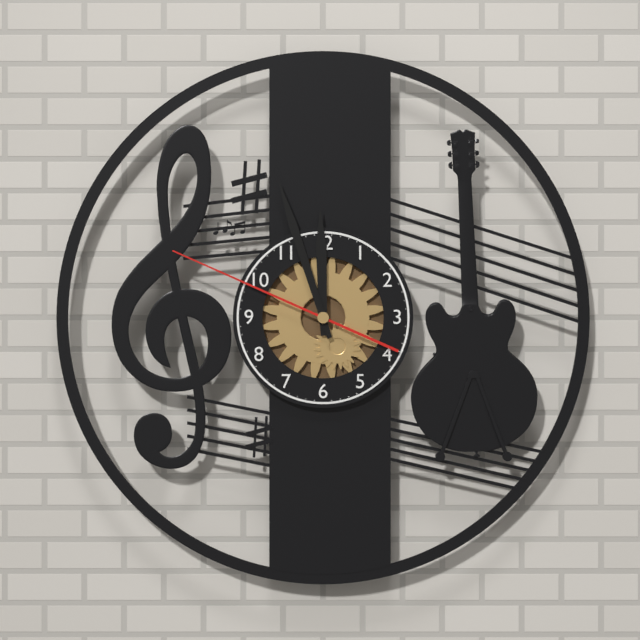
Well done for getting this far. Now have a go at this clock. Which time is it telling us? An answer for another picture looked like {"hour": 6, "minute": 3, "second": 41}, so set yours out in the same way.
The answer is {"hour": 11, "minute": 57, "second": 49}
